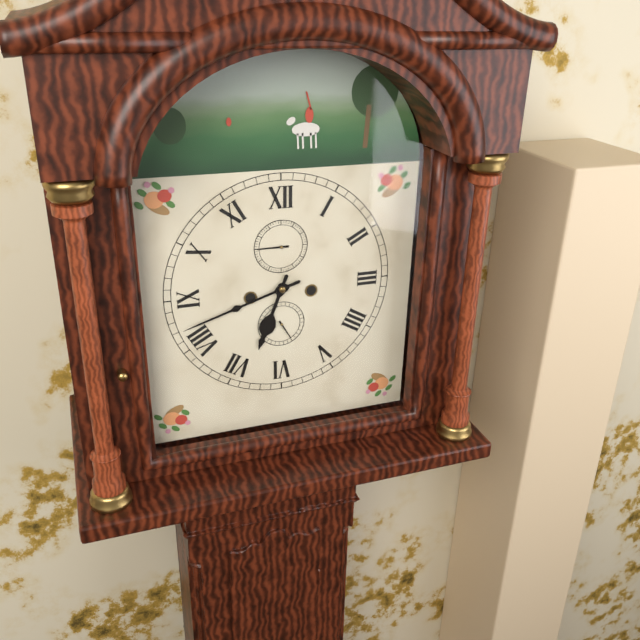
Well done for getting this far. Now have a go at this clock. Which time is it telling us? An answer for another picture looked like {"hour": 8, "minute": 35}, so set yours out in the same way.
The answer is {"hour": 6, "minute": 42}
